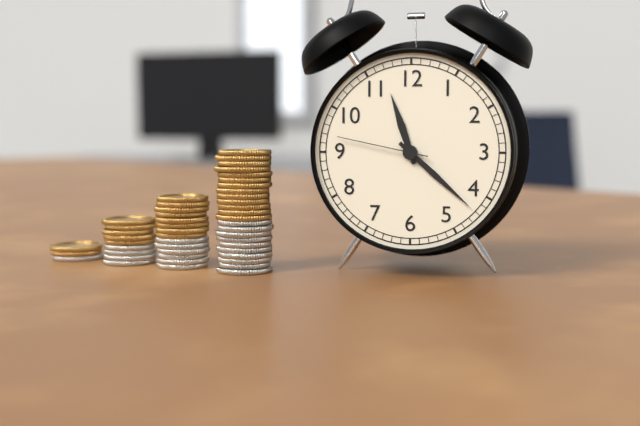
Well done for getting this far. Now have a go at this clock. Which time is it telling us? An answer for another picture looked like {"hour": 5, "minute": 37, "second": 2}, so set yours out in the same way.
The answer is {"hour": 11, "minute": 22, "second": 47}
